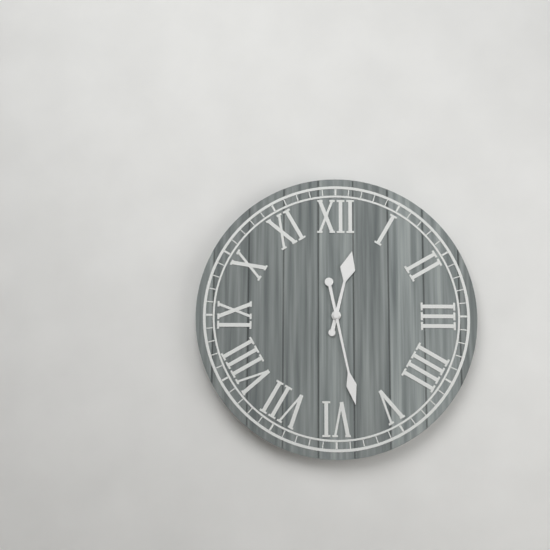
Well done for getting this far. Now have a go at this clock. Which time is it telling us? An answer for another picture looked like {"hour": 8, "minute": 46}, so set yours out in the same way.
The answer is {"hour": 12, "minute": 28}
